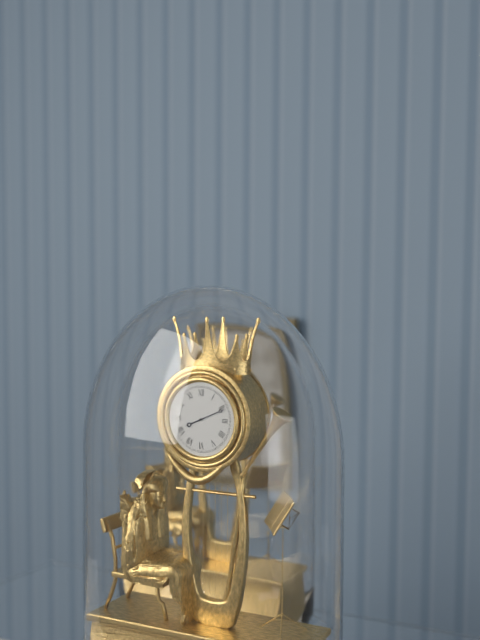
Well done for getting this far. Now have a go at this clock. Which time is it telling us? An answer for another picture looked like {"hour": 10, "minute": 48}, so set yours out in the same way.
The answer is {"hour": 8, "minute": 11}
